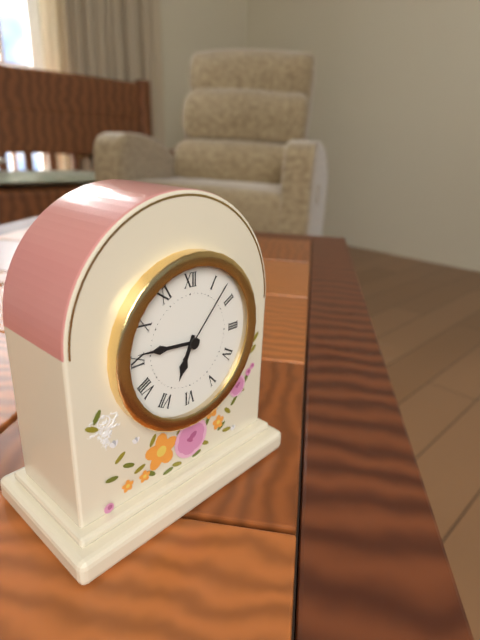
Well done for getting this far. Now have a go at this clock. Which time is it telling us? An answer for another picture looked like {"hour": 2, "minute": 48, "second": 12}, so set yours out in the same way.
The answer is {"hour": 6, "minute": 46, "second": 7}
